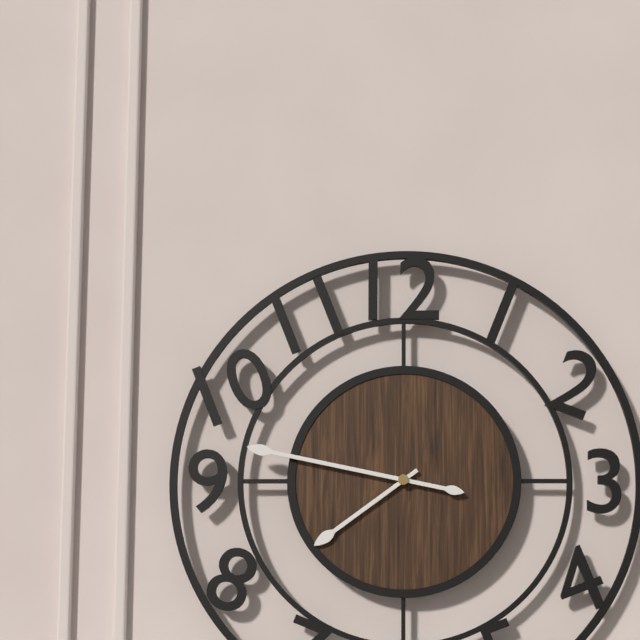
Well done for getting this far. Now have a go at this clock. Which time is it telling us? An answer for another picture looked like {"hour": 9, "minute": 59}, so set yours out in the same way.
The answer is {"hour": 7, "minute": 47}
